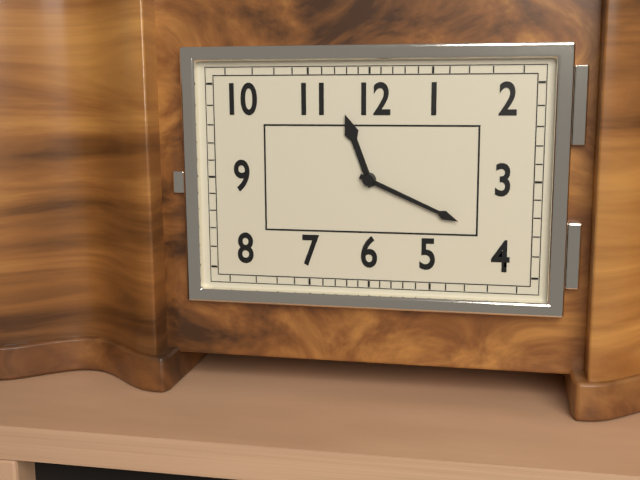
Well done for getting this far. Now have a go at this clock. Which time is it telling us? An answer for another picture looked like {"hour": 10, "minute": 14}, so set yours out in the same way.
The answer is {"hour": 11, "minute": 19}
